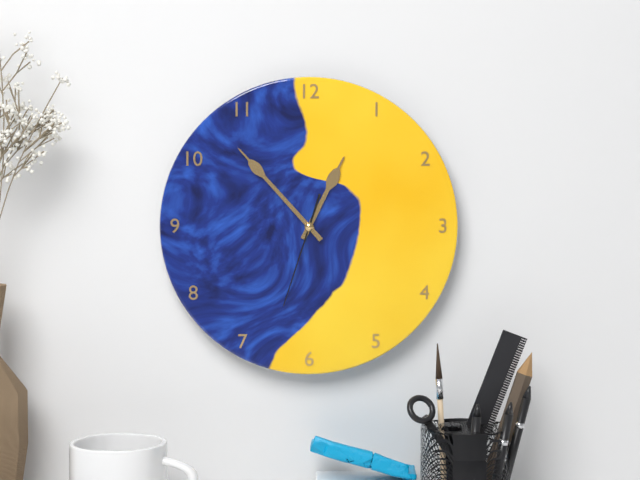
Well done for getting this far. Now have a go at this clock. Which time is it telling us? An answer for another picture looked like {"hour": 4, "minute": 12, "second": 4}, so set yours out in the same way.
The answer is {"hour": 12, "minute": 53, "second": 33}
